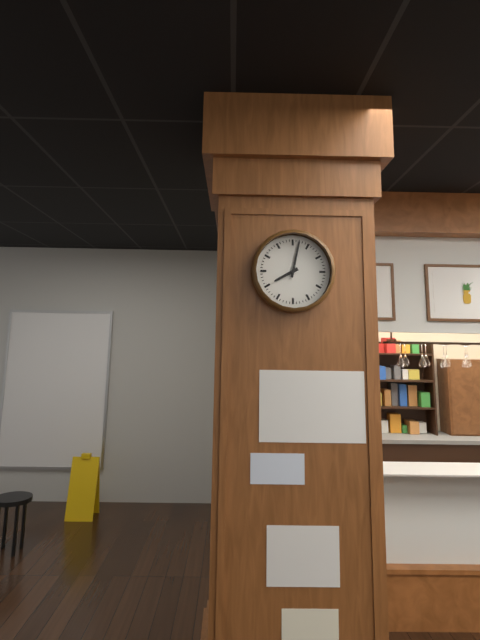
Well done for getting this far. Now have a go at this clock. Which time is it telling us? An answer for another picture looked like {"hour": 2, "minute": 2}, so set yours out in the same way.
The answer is {"hour": 8, "minute": 2}
